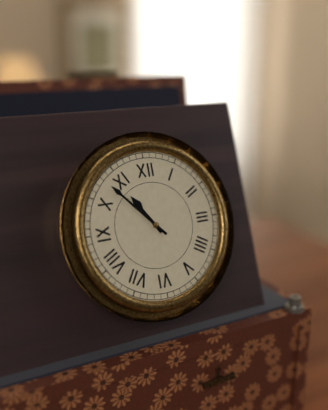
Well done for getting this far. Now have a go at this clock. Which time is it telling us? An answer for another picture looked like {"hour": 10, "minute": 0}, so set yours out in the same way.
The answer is {"hour": 10, "minute": 53}
